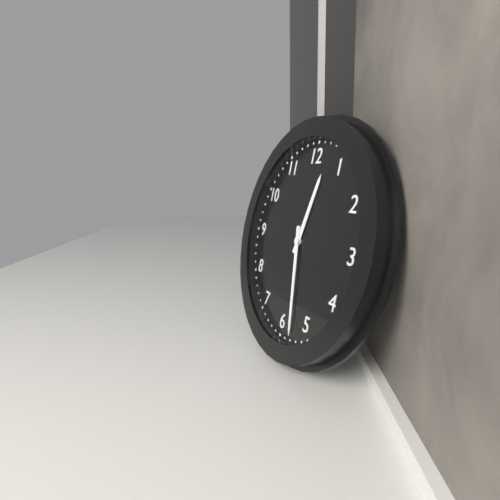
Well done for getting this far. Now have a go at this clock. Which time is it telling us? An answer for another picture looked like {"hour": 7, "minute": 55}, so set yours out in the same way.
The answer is {"hour": 12, "minute": 28}
